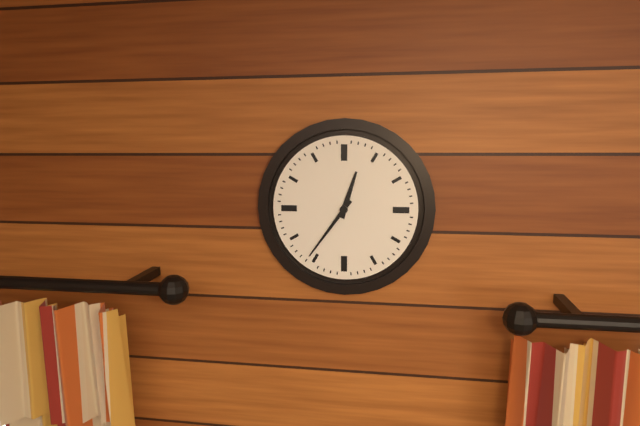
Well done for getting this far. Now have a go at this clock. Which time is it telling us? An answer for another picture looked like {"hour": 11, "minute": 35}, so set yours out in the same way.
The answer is {"hour": 12, "minute": 36}
